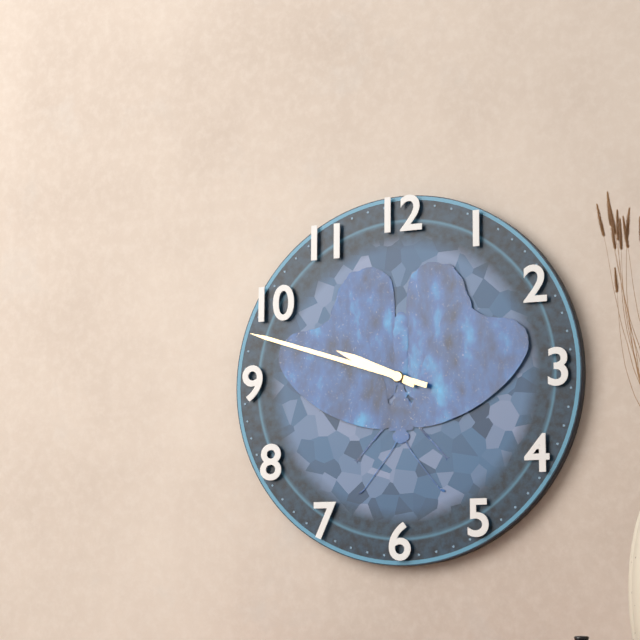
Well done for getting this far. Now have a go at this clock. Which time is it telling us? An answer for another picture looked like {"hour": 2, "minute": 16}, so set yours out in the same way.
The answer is {"hour": 9, "minute": 48}
